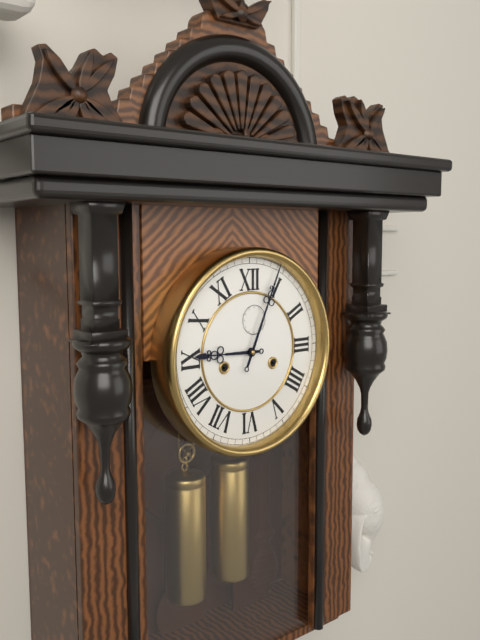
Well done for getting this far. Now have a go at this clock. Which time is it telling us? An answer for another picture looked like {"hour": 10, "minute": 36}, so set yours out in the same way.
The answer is {"hour": 9, "minute": 4}
